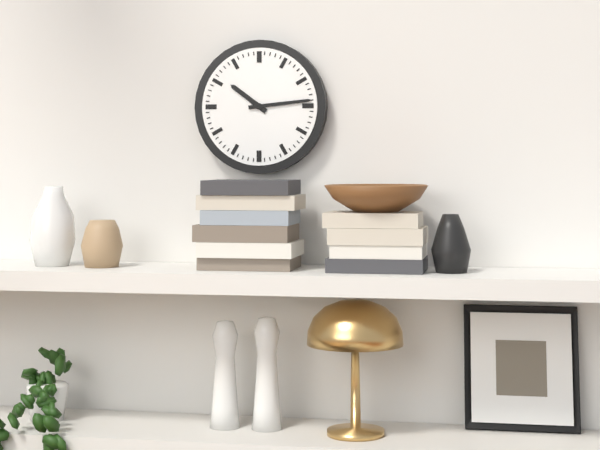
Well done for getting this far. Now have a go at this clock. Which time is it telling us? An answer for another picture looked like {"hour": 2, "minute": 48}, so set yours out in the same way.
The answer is {"hour": 10, "minute": 14}
